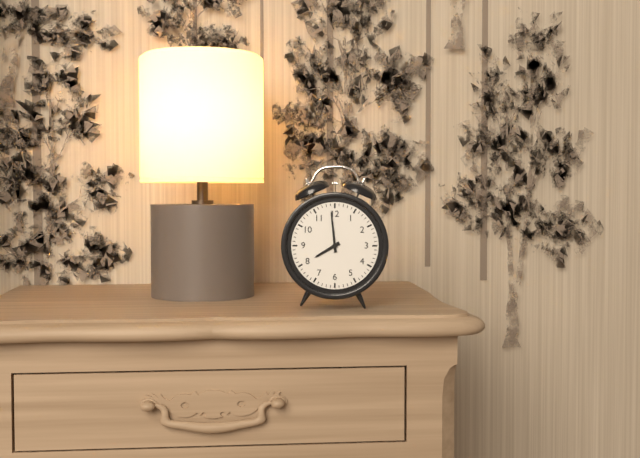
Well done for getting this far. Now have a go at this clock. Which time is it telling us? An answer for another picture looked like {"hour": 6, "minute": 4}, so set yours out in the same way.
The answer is {"hour": 7, "minute": 59}
